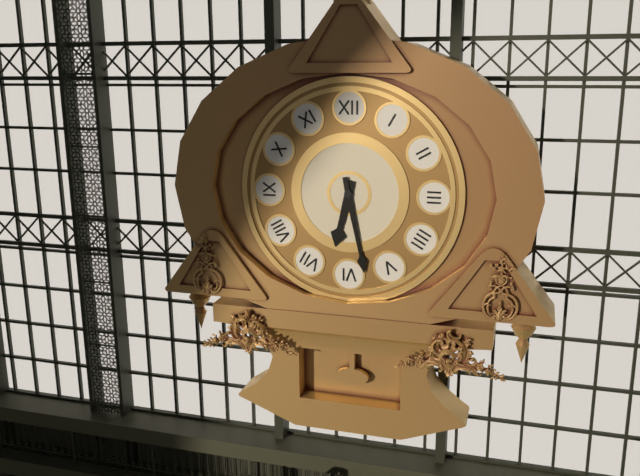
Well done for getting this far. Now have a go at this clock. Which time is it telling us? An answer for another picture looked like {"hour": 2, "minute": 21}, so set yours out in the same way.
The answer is {"hour": 6, "minute": 28}
